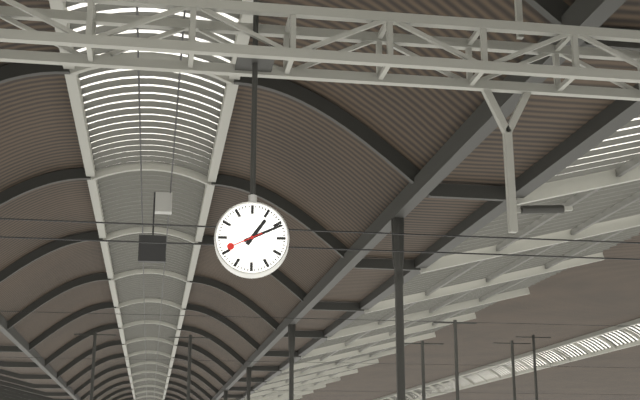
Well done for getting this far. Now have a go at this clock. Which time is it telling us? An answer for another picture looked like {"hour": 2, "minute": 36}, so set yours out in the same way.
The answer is {"hour": 1, "minute": 11}
